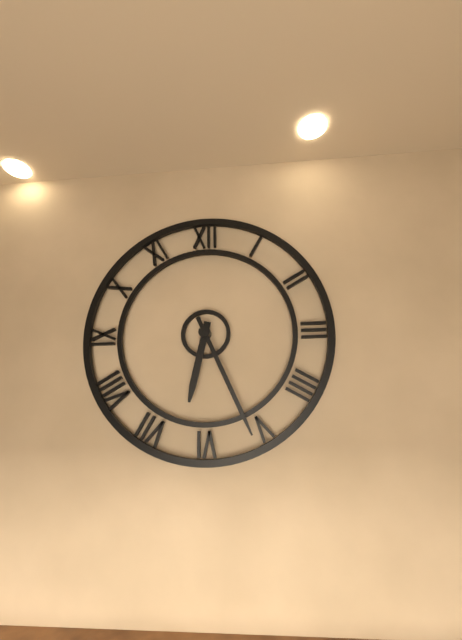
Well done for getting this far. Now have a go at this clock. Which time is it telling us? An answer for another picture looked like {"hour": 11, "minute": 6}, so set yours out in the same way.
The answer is {"hour": 6, "minute": 26}
